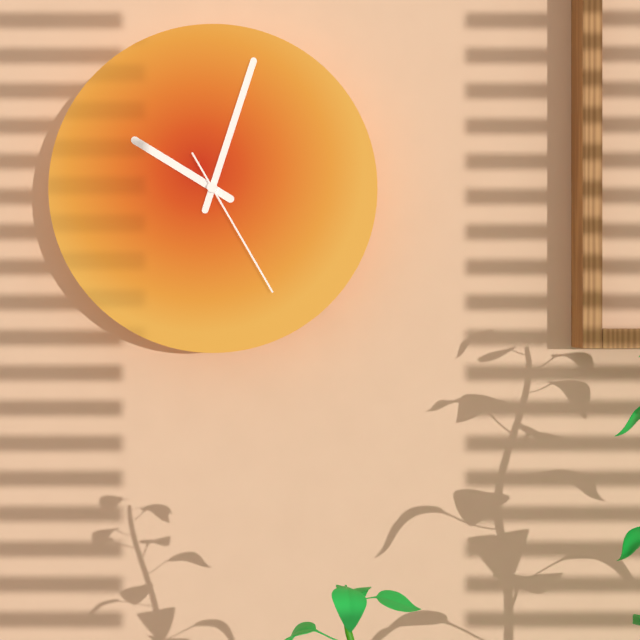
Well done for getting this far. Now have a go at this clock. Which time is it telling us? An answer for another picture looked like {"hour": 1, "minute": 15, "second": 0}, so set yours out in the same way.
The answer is {"hour": 10, "minute": 3, "second": 25}
